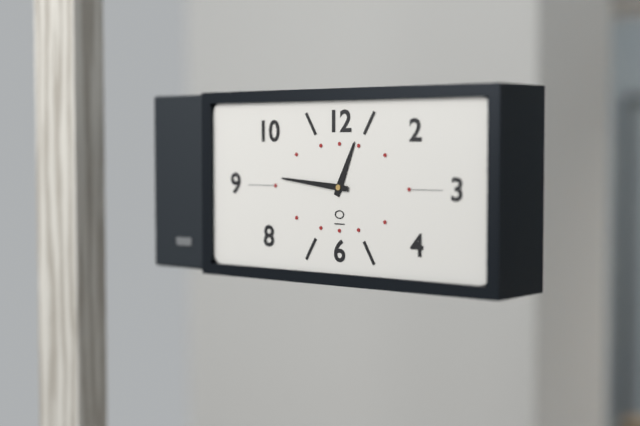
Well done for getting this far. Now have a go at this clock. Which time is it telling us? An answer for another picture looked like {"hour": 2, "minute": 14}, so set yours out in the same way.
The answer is {"hour": 12, "minute": 46}
